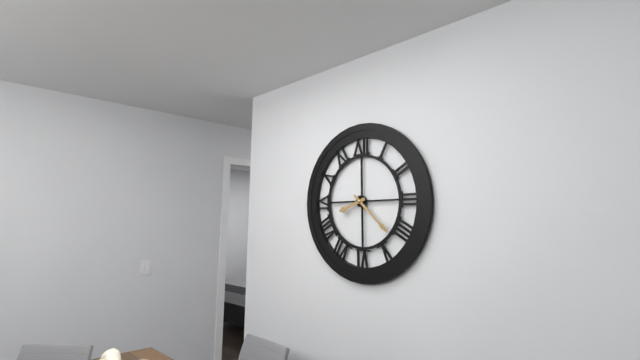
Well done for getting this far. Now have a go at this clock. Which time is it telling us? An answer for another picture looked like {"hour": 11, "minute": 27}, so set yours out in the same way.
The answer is {"hour": 8, "minute": 22}
